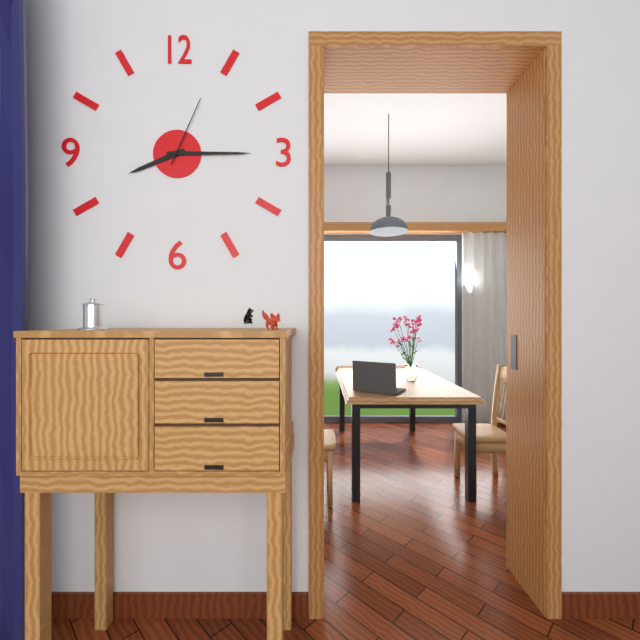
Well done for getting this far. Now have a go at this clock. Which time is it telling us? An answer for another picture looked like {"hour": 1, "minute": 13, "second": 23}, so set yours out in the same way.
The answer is {"hour": 8, "minute": 15, "second": 4}
